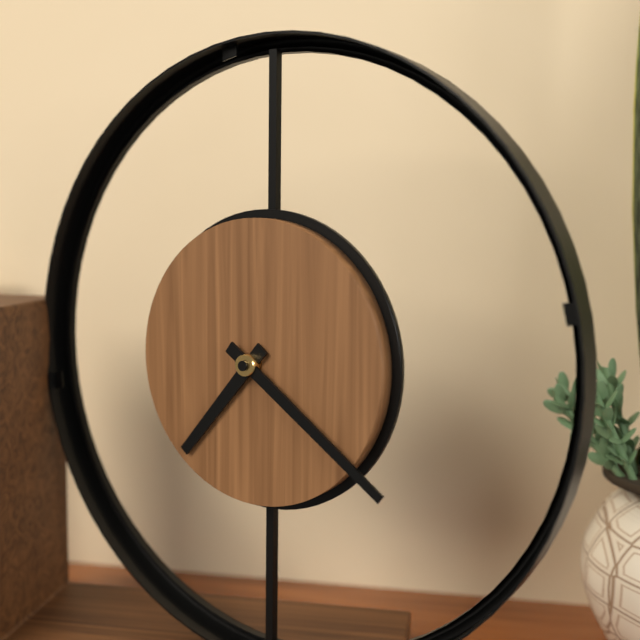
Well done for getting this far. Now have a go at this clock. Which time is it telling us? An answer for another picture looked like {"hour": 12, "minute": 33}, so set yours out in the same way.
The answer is {"hour": 7, "minute": 21}
